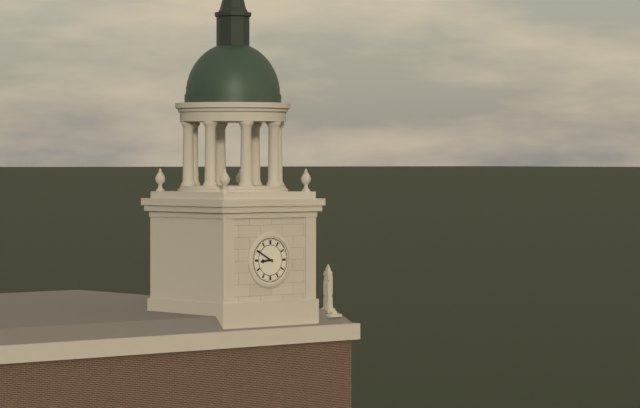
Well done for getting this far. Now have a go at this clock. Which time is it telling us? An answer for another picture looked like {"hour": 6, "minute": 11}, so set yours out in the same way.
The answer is {"hour": 8, "minute": 50}
